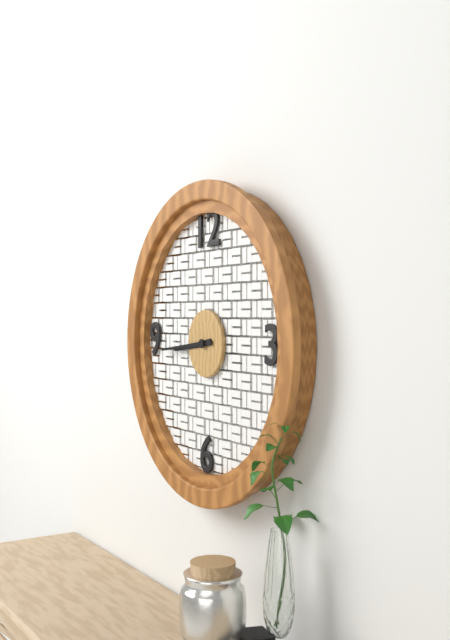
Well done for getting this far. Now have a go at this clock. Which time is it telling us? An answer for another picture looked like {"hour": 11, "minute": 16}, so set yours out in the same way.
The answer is {"hour": 8, "minute": 44}
